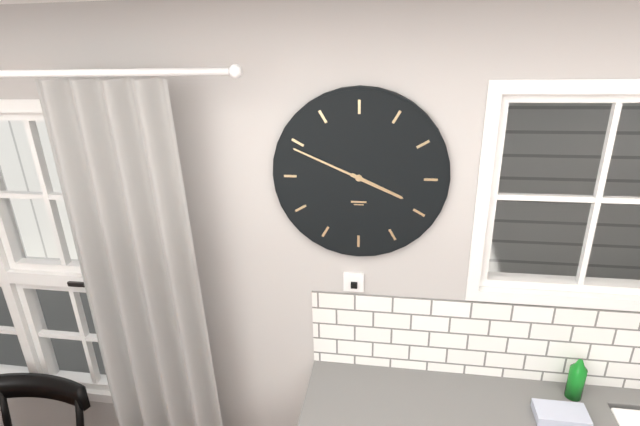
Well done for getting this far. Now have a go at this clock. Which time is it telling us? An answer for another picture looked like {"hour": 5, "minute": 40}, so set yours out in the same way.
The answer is {"hour": 3, "minute": 49}
